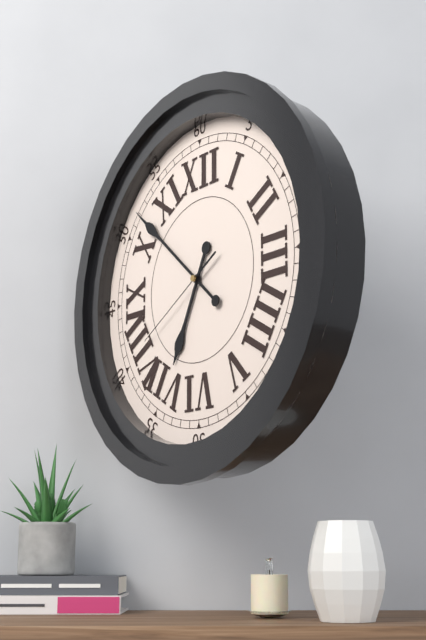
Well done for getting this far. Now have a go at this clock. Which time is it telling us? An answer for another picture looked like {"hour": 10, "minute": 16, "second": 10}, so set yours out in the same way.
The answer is {"hour": 6, "minute": 52, "second": 40}
